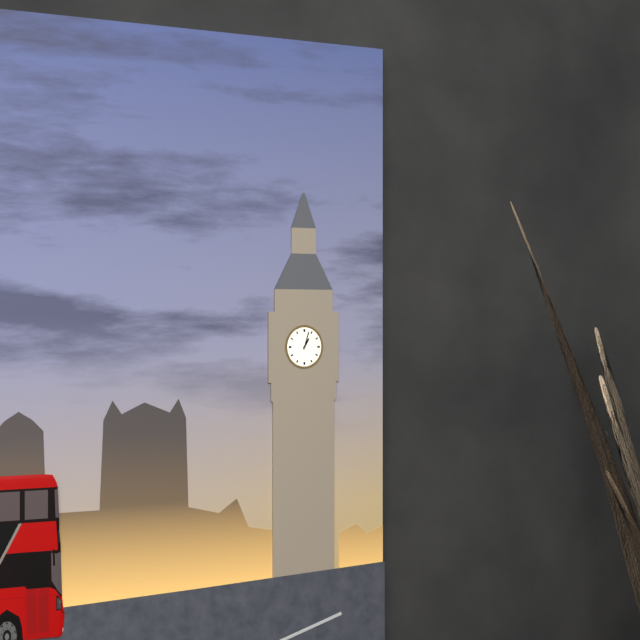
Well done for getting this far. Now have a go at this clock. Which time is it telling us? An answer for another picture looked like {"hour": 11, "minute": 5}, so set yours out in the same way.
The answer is {"hour": 1, "minute": 3}
